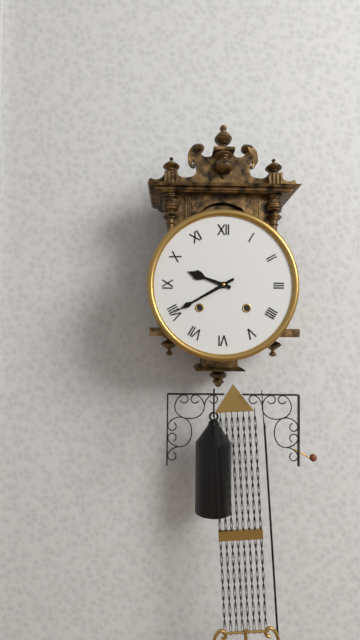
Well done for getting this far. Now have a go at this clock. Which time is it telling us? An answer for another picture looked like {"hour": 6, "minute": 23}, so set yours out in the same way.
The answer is {"hour": 9, "minute": 40}
